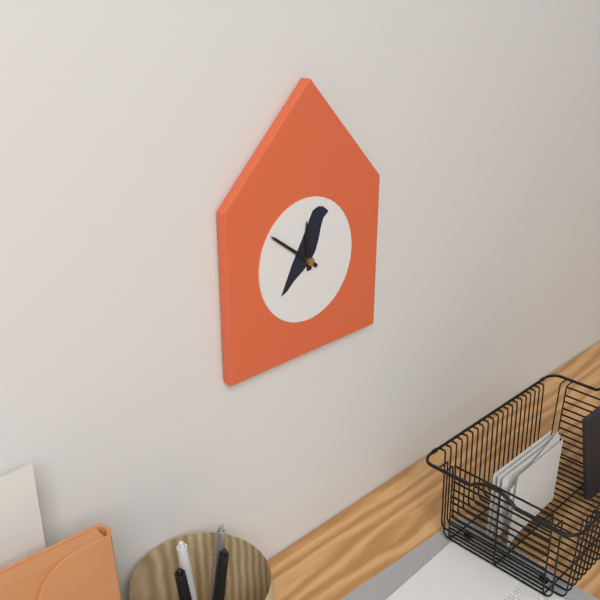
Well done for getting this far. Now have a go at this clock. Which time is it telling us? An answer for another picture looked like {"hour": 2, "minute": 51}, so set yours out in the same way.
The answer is {"hour": 11, "minute": 51}
